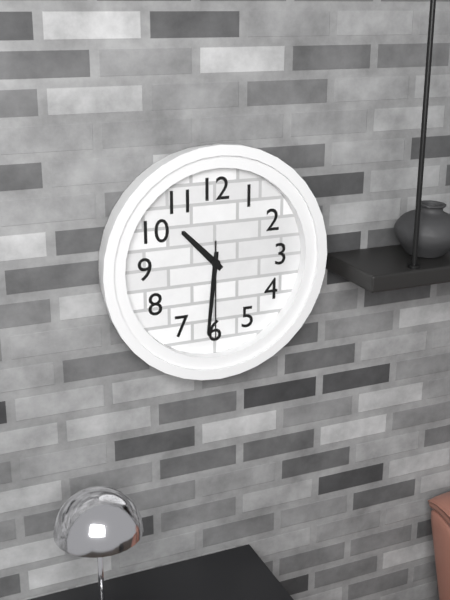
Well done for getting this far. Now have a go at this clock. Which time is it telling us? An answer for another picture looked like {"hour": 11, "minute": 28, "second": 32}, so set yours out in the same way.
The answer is {"hour": 10, "minute": 31, "second": 30}
